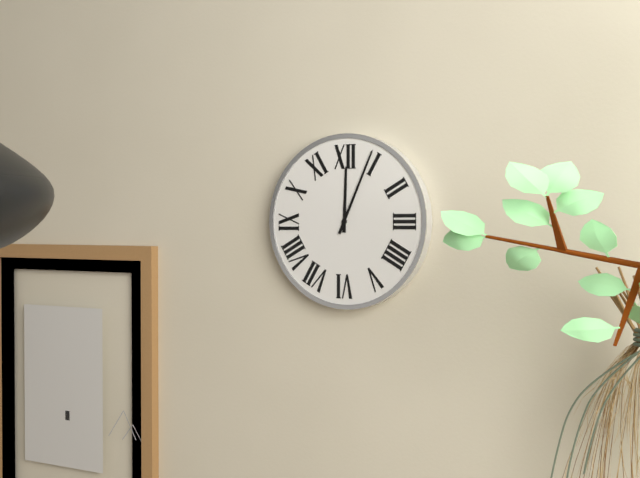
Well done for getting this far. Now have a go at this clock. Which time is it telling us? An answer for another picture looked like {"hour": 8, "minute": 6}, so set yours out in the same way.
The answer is {"hour": 12, "minute": 4}
